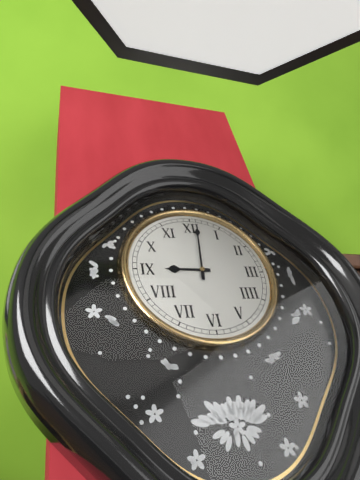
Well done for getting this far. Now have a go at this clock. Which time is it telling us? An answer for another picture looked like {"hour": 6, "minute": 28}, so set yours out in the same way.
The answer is {"hour": 9, "minute": 1}
